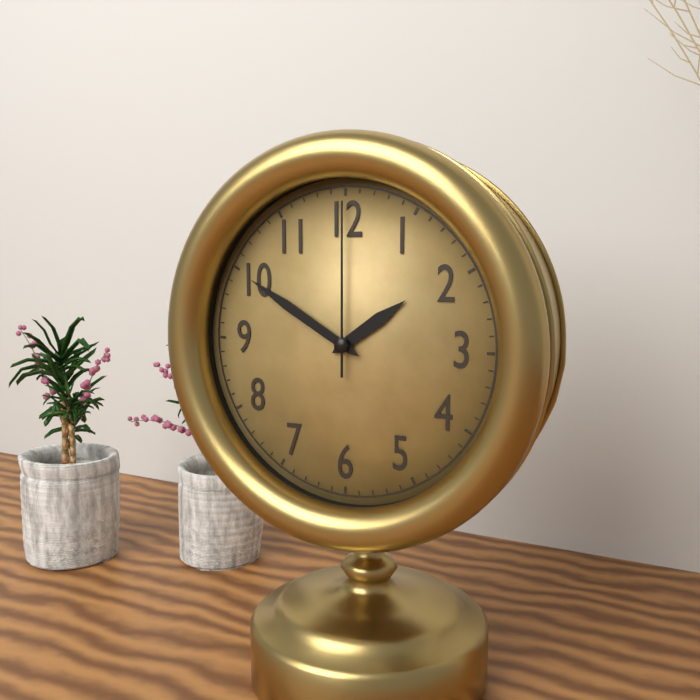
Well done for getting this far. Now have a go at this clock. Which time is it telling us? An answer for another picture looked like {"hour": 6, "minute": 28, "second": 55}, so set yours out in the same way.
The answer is {"hour": 1, "minute": 50, "second": 0}
